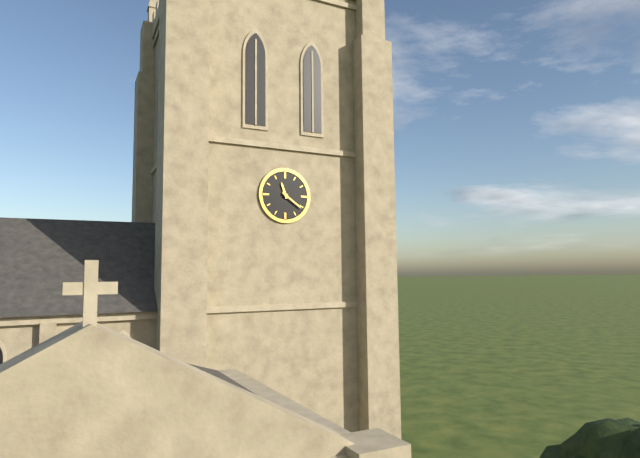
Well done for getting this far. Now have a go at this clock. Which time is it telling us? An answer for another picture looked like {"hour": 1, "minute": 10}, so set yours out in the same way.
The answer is {"hour": 11, "minute": 21}
